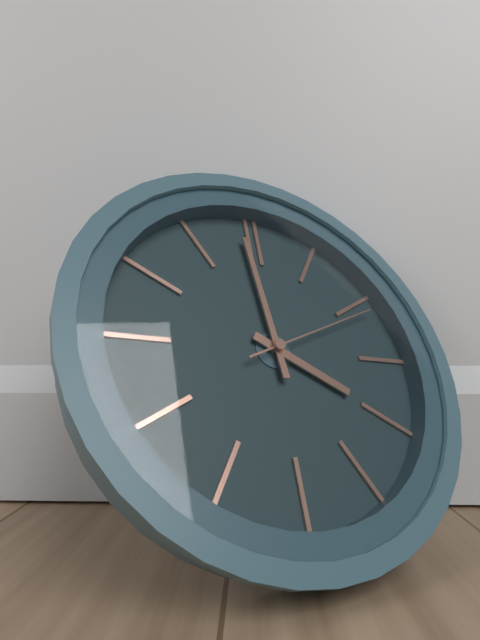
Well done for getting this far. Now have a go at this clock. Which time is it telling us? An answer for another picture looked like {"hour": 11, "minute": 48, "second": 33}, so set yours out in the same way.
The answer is {"hour": 3, "minute": 59, "second": 11}
